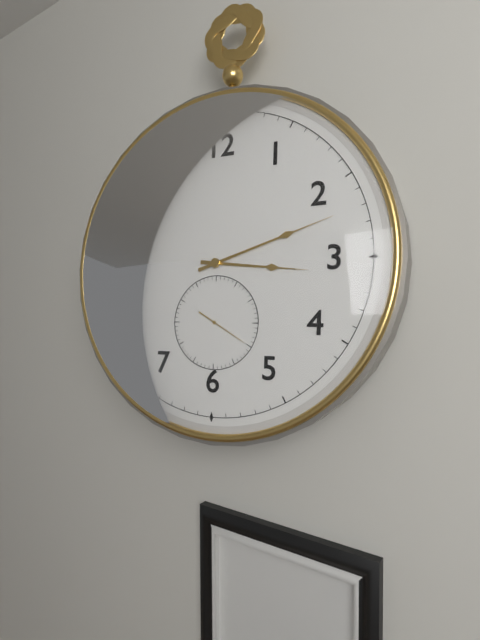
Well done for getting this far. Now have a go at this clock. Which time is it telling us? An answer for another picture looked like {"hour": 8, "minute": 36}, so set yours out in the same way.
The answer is {"hour": 3, "minute": 12}
